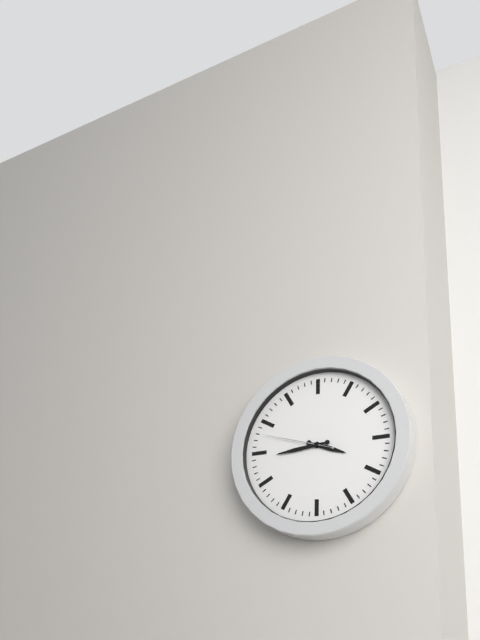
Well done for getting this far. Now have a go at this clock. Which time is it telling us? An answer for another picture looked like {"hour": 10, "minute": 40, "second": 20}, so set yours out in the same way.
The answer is {"hour": 3, "minute": 44, "second": 48}
